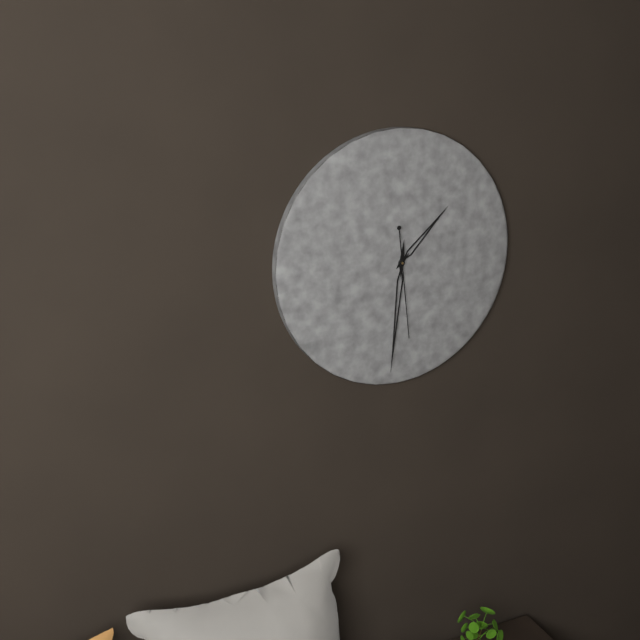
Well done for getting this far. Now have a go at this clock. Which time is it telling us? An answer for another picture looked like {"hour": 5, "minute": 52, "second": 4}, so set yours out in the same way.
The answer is {"hour": 1, "minute": 31, "second": 29}
